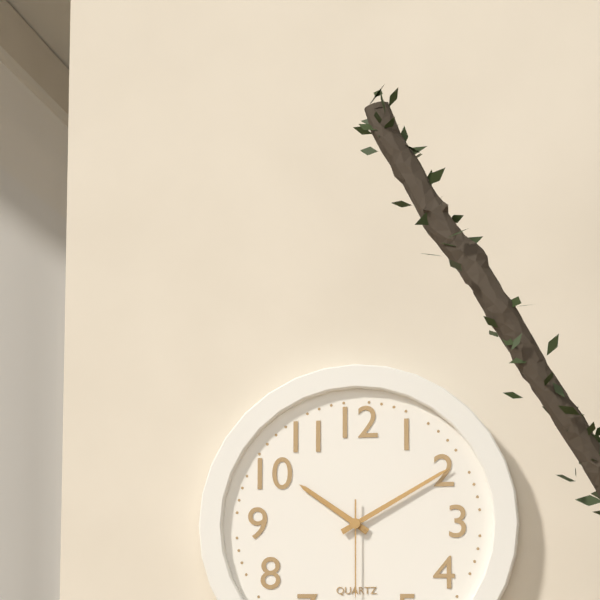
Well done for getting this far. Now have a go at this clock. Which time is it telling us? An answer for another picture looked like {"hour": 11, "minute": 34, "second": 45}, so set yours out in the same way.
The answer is {"hour": 10, "minute": 10, "second": 30}
